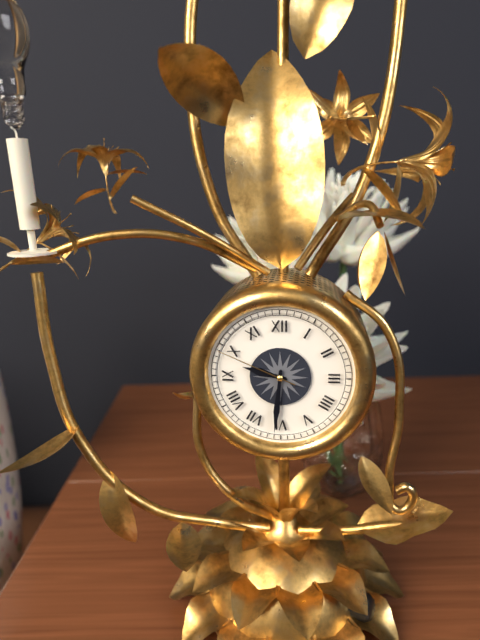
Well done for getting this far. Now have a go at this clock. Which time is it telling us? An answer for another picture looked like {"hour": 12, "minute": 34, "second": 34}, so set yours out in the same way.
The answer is {"hour": 9, "minute": 31, "second": 49}
